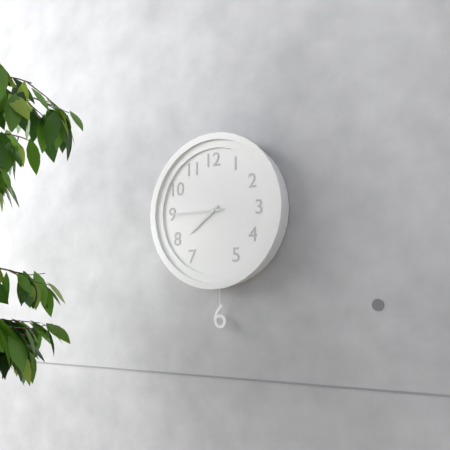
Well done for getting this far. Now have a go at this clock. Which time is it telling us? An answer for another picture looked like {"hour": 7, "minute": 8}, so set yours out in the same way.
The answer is {"hour": 7, "minute": 45}
